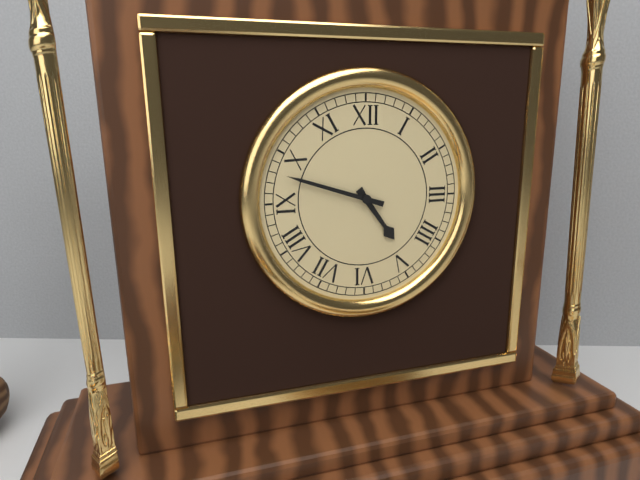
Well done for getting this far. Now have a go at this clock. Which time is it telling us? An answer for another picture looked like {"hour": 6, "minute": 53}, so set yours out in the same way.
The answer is {"hour": 4, "minute": 48}
